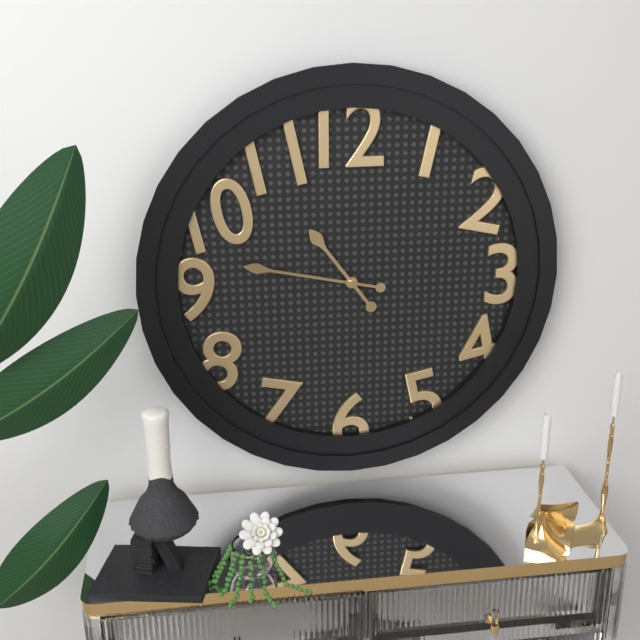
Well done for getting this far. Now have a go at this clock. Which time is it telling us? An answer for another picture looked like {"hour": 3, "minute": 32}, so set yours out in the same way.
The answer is {"hour": 10, "minute": 47}
